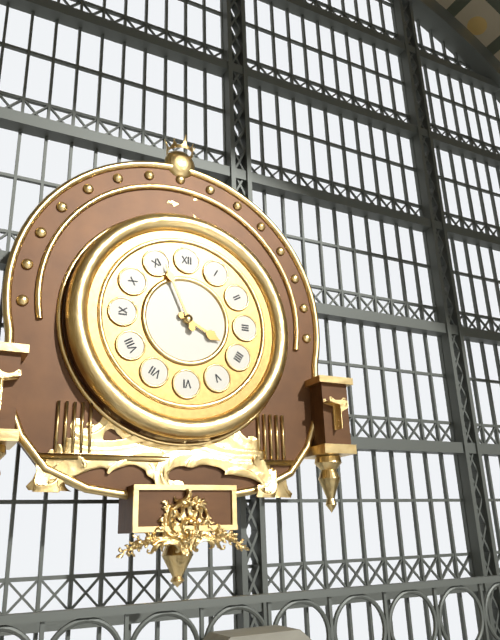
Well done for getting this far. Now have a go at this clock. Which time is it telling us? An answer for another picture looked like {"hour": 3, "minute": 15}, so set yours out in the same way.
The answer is {"hour": 3, "minute": 56}
